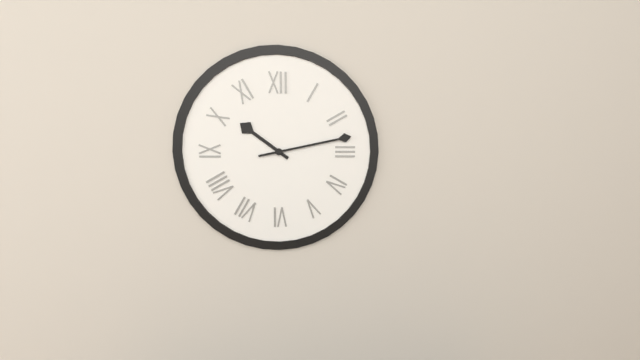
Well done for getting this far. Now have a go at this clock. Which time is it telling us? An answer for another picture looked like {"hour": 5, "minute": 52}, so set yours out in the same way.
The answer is {"hour": 10, "minute": 13}
